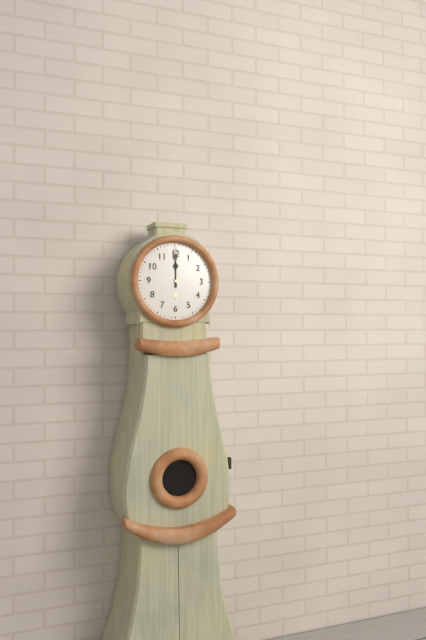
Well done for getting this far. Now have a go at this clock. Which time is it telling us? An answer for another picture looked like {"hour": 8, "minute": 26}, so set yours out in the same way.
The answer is {"hour": 12, "minute": 0}
